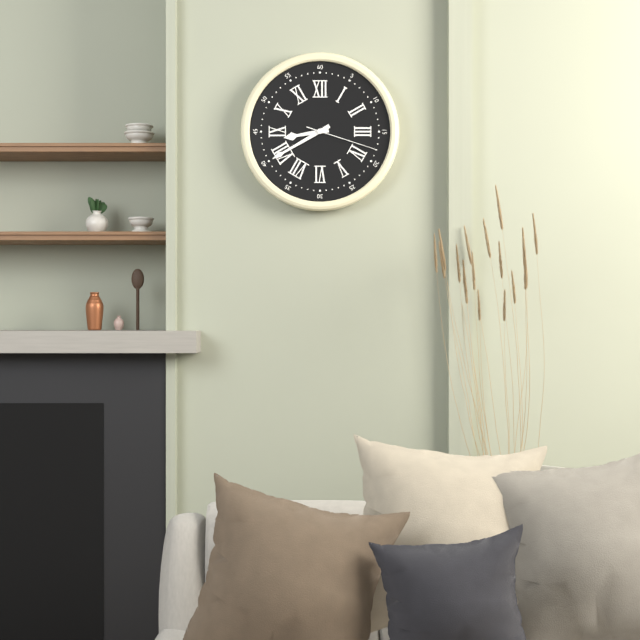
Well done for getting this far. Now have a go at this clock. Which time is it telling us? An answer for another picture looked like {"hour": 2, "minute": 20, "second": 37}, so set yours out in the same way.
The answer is {"hour": 8, "minute": 40, "second": 18}
